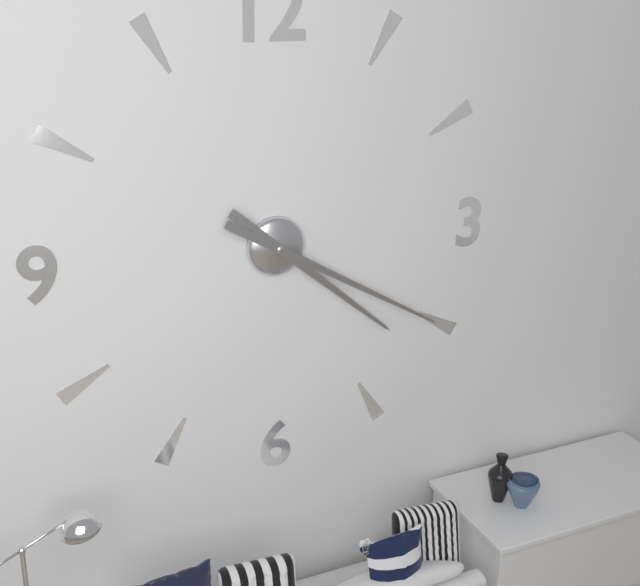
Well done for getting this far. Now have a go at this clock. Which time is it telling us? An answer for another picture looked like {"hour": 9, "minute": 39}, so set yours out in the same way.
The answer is {"hour": 4, "minute": 20}
